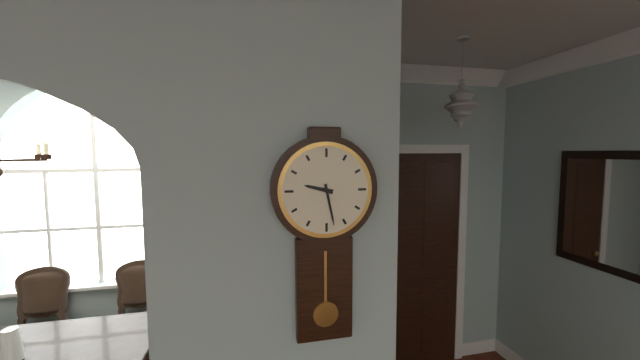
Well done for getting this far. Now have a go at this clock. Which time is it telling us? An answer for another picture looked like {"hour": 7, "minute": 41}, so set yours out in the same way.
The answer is {"hour": 9, "minute": 28}
